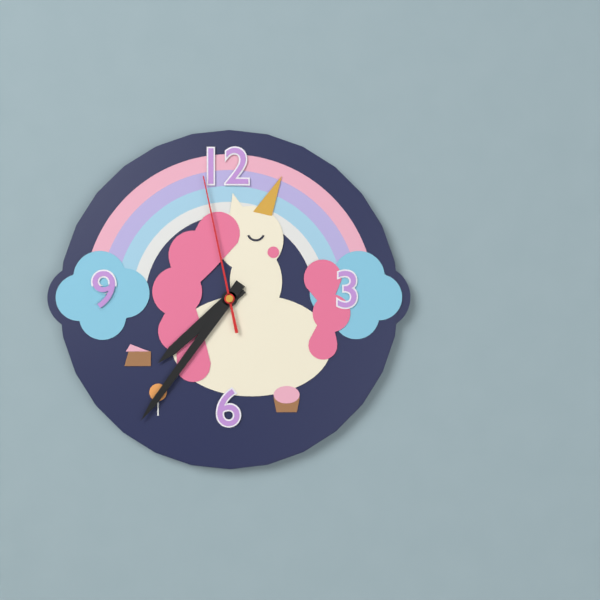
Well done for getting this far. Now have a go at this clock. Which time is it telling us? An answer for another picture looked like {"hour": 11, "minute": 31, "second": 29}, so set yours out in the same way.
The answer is {"hour": 7, "minute": 36, "second": 58}
